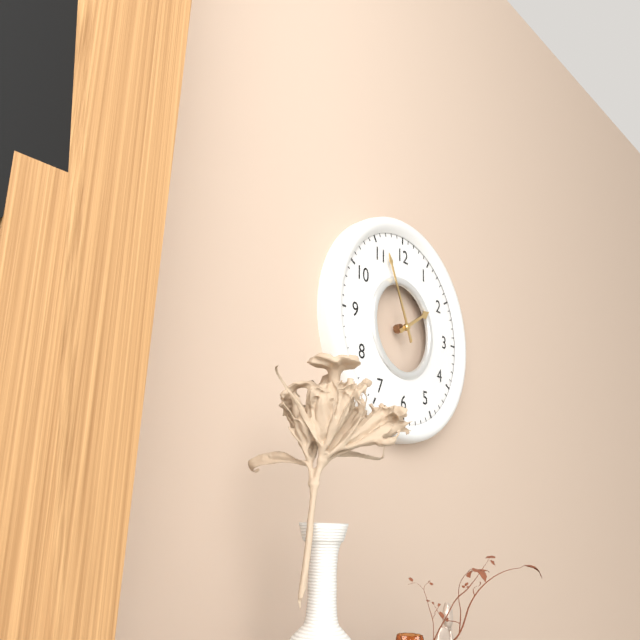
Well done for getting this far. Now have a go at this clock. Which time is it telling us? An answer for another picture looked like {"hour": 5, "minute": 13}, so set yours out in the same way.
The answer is {"hour": 1, "minute": 56}
